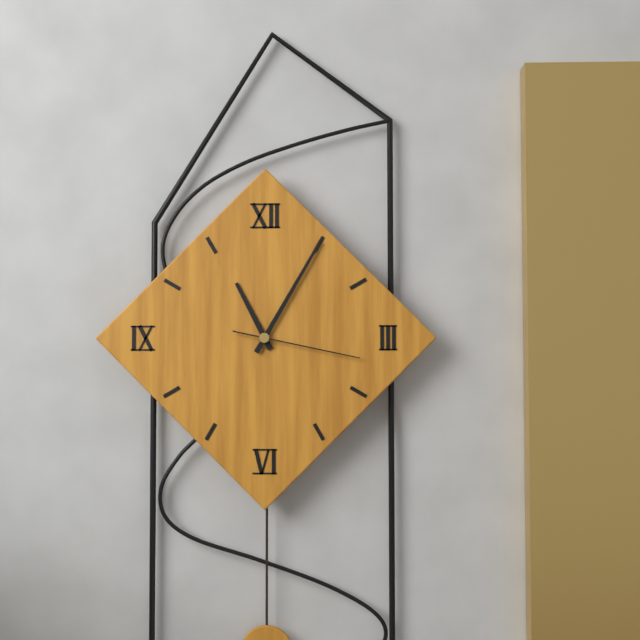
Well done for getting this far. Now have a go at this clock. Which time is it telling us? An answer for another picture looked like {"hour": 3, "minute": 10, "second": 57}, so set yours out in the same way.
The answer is {"hour": 11, "minute": 5, "second": 17}
